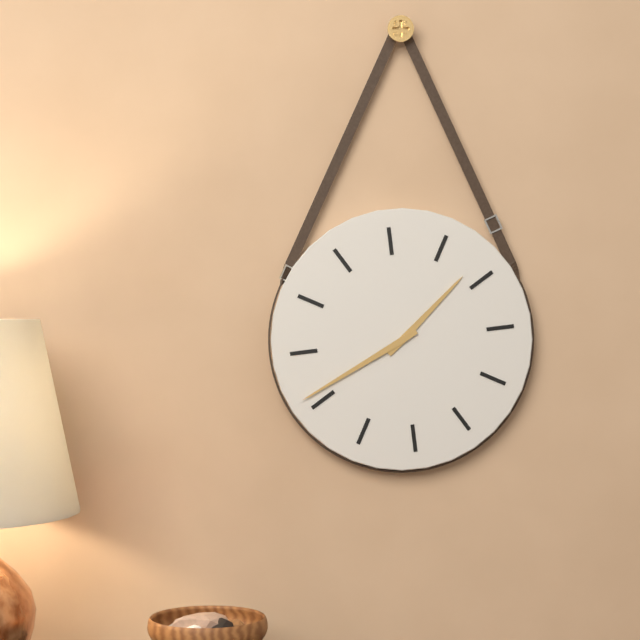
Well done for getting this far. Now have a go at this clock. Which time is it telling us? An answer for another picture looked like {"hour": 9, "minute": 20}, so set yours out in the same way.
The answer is {"hour": 1, "minute": 41}
